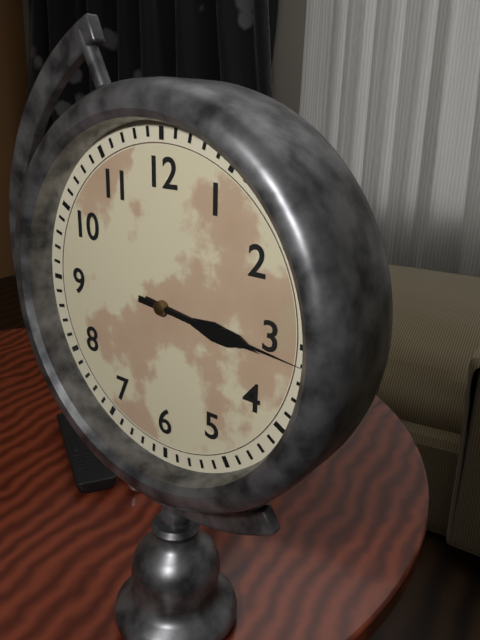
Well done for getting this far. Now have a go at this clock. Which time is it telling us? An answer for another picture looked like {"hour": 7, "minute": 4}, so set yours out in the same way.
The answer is {"hour": 3, "minute": 16}
